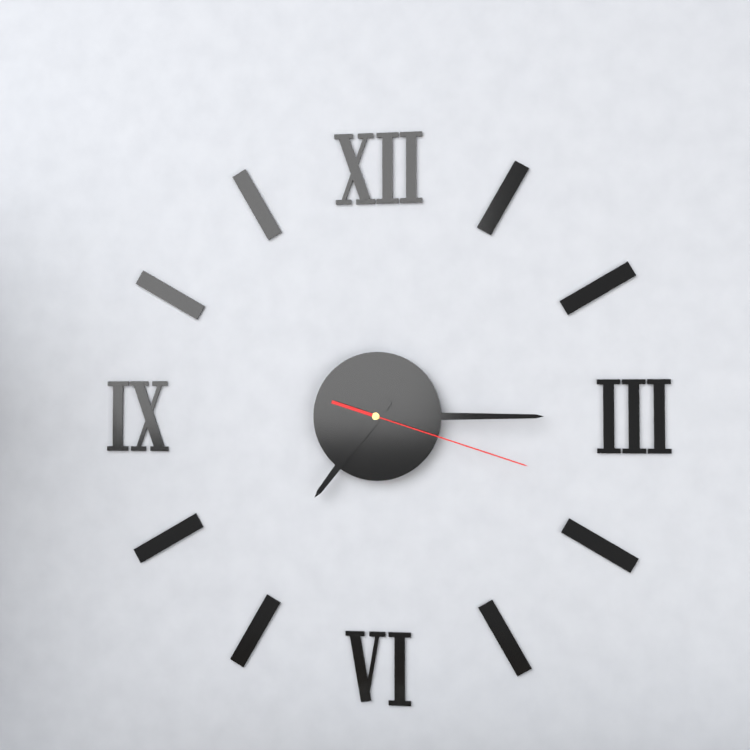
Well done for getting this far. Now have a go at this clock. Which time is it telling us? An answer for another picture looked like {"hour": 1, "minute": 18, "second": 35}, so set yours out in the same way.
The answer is {"hour": 7, "minute": 15, "second": 18}
